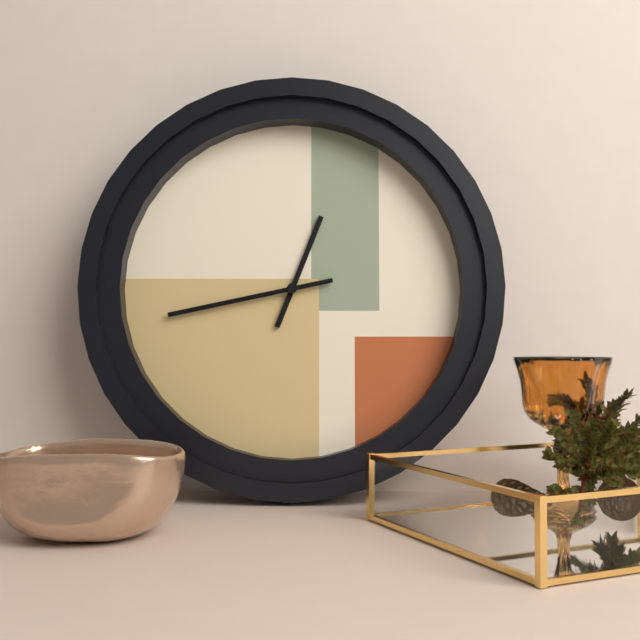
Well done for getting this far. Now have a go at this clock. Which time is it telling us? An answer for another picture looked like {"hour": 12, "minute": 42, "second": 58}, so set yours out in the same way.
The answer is {"hour": 12, "minute": 43, "second": 43}
